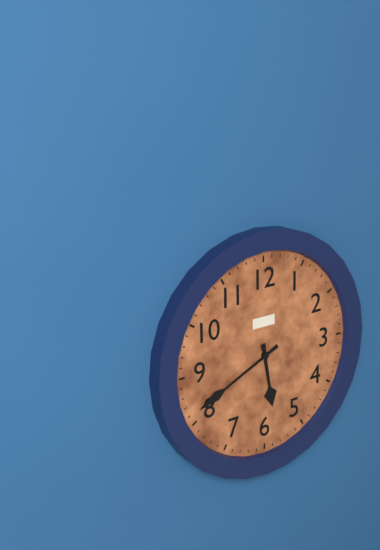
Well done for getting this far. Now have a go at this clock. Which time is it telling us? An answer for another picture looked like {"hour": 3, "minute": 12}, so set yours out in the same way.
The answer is {"hour": 5, "minute": 41}
